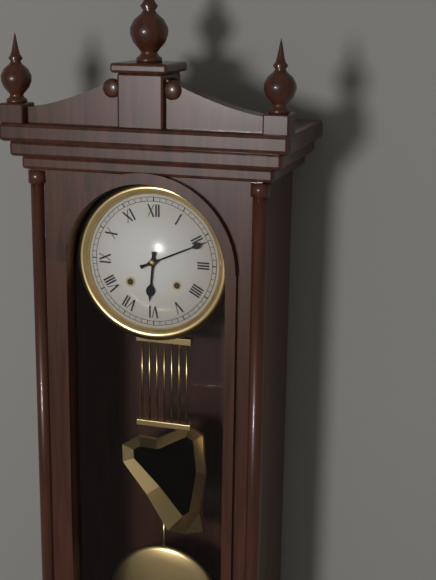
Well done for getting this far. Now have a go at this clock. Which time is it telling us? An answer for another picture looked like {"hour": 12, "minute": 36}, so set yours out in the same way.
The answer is {"hour": 6, "minute": 11}
